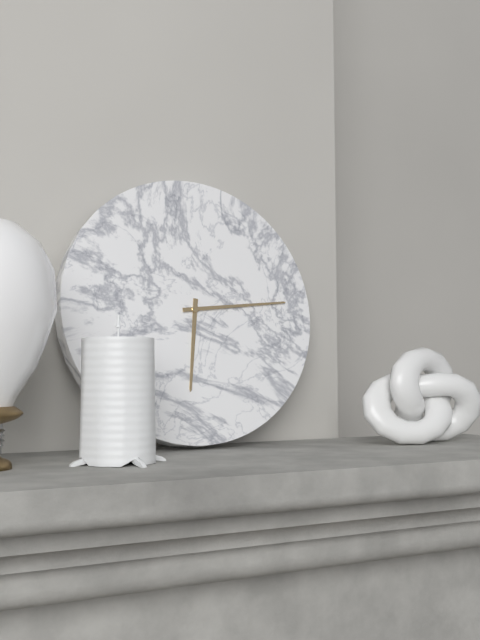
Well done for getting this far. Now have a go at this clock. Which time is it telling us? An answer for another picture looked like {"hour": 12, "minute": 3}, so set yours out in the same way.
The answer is {"hour": 6, "minute": 14}
